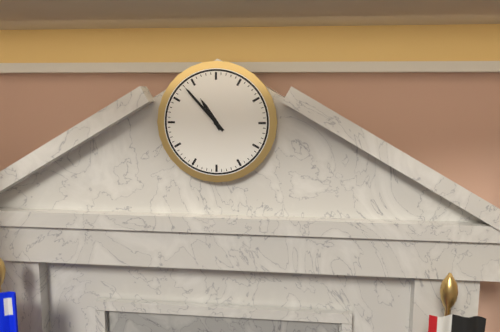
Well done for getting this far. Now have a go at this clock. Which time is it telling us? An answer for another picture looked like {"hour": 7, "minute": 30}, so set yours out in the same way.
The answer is {"hour": 10, "minute": 53}
